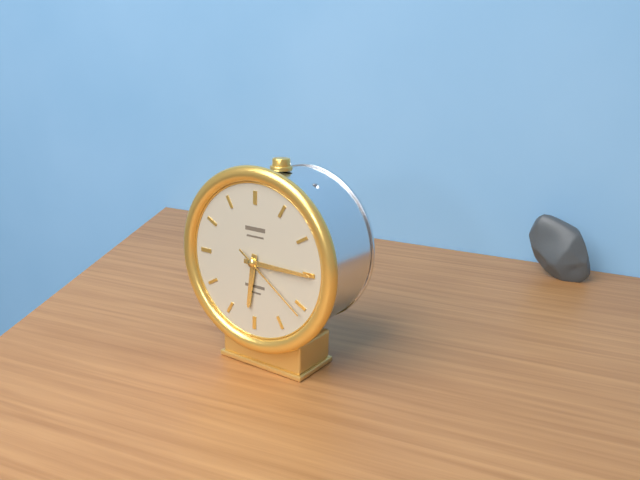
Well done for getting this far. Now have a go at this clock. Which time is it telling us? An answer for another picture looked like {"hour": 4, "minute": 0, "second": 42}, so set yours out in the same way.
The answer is {"hour": 6, "minute": 15, "second": 21}
